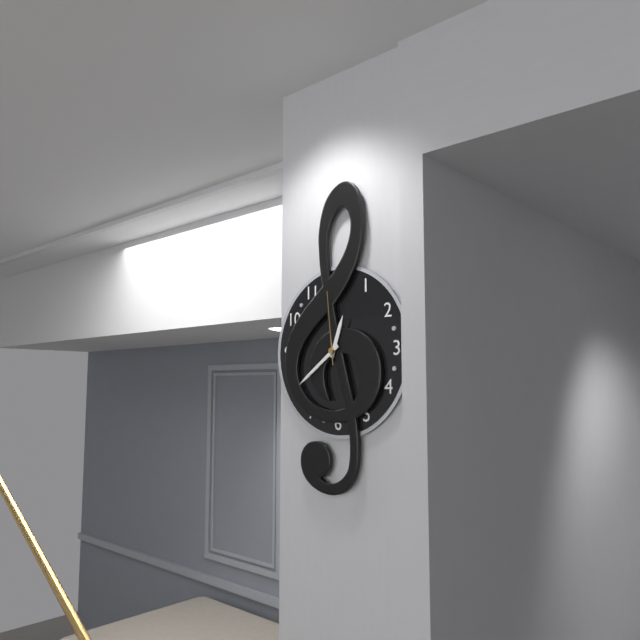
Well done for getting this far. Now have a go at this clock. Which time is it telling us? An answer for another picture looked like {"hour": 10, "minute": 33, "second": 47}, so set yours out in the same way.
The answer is {"hour": 12, "minute": 39, "second": 59}
